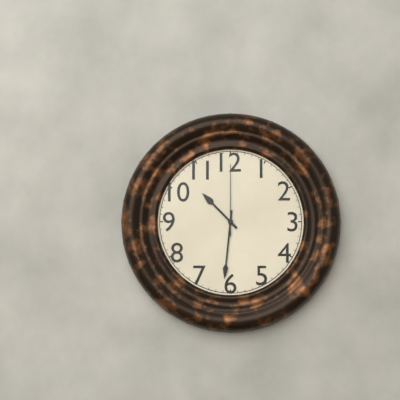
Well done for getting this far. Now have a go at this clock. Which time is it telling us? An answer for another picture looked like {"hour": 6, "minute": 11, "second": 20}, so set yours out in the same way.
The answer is {"hour": 10, "minute": 31, "second": 0}
